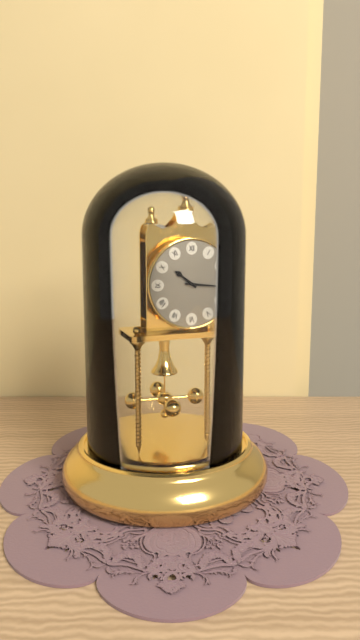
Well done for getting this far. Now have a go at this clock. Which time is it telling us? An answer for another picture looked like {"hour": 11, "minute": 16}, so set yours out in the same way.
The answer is {"hour": 10, "minute": 16}
